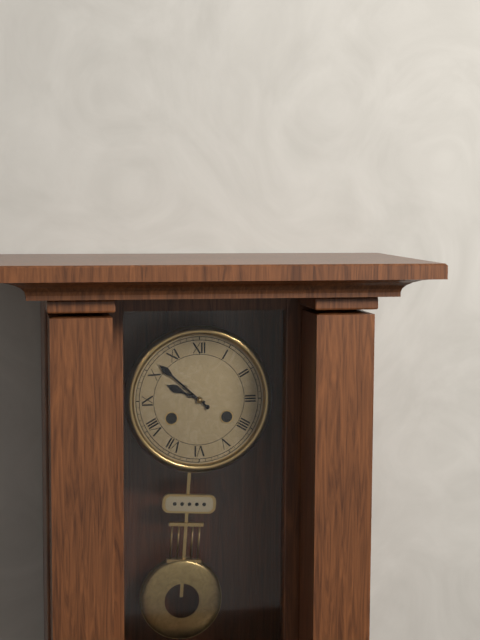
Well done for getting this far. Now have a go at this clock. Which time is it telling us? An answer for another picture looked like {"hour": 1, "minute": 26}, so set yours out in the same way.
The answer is {"hour": 9, "minute": 52}
